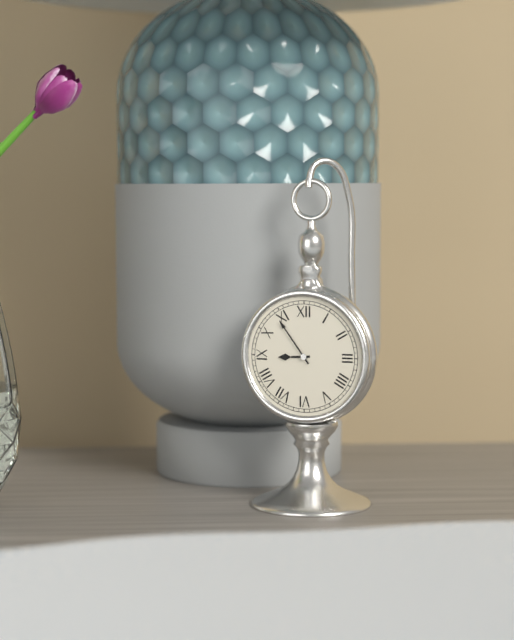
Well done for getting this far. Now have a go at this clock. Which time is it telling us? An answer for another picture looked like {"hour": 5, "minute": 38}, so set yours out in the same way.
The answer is {"hour": 8, "minute": 54}
